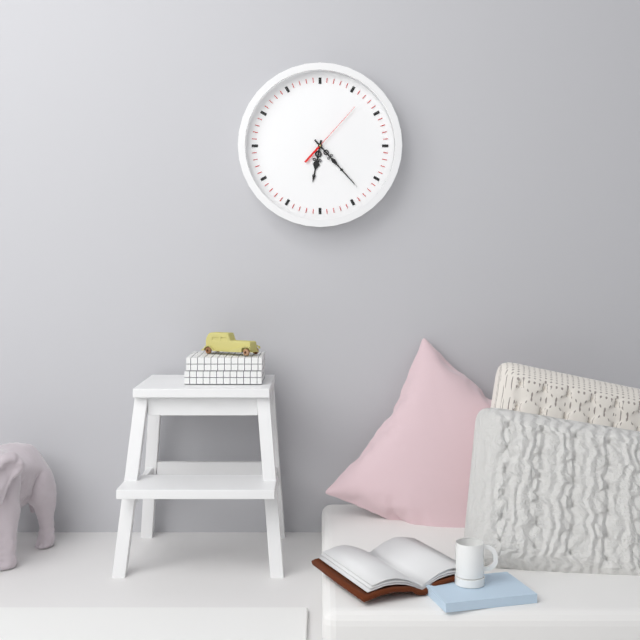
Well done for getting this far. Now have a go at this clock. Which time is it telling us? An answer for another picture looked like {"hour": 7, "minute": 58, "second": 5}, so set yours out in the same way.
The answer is {"hour": 6, "minute": 23, "second": 7}
